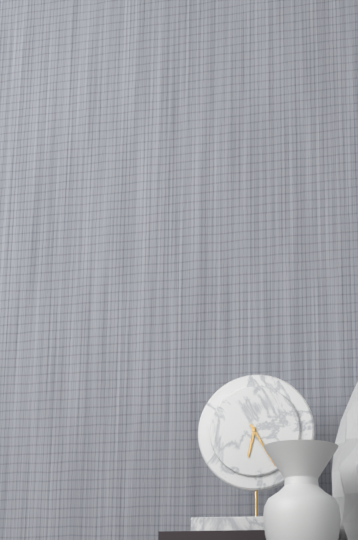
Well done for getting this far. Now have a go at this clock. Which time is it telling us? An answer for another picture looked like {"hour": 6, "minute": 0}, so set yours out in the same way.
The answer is {"hour": 6, "minute": 25}
